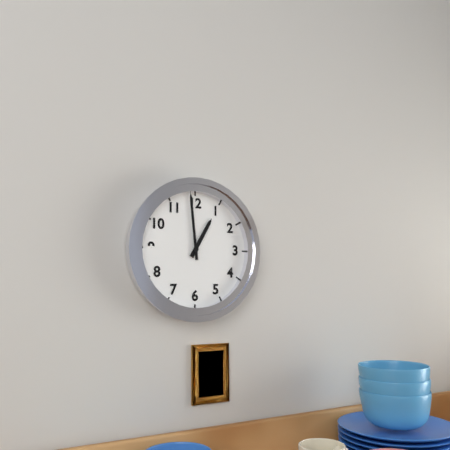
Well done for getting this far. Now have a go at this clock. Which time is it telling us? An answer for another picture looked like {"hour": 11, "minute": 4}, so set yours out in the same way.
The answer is {"hour": 12, "minute": 59}
